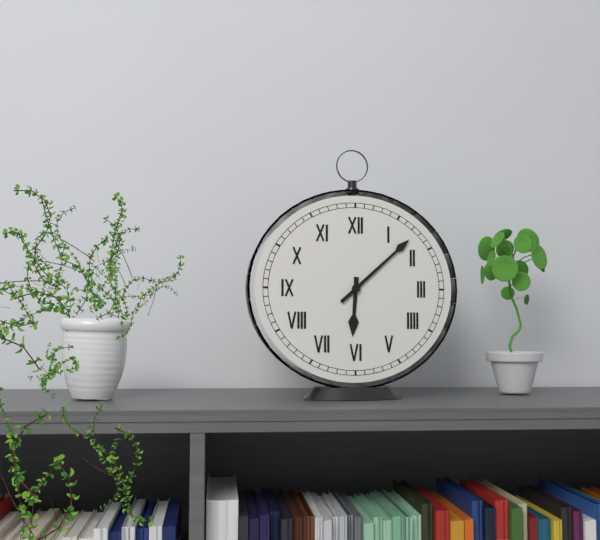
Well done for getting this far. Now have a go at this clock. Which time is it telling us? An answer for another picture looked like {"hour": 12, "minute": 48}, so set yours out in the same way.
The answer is {"hour": 6, "minute": 8}
